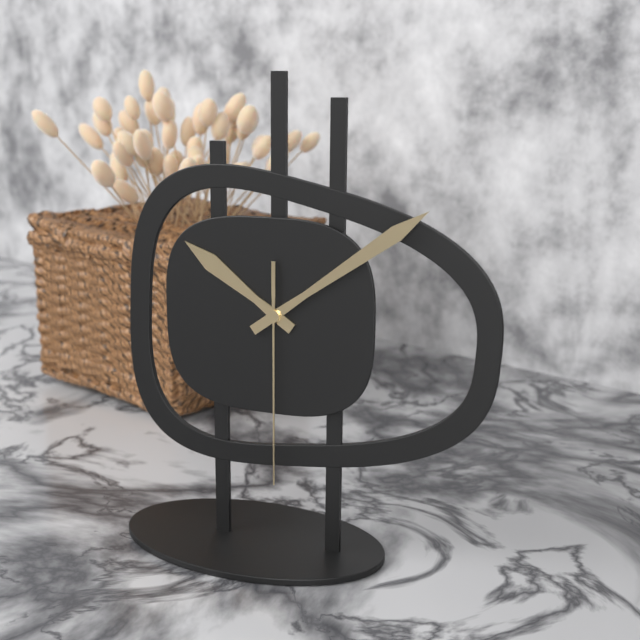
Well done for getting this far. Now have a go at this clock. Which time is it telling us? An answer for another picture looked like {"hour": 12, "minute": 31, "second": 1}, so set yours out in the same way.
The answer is {"hour": 10, "minute": 9, "second": 30}
